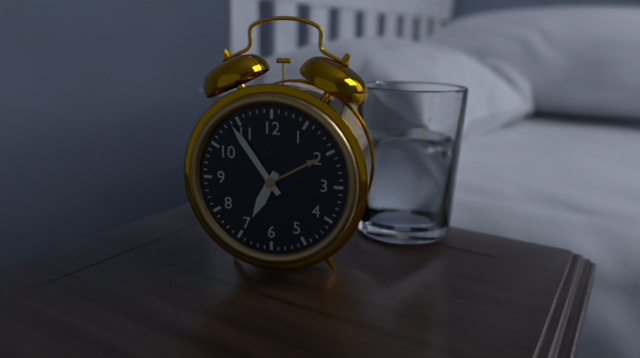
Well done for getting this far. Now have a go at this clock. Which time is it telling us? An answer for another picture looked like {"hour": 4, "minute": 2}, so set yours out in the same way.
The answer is {"hour": 6, "minute": 54}
